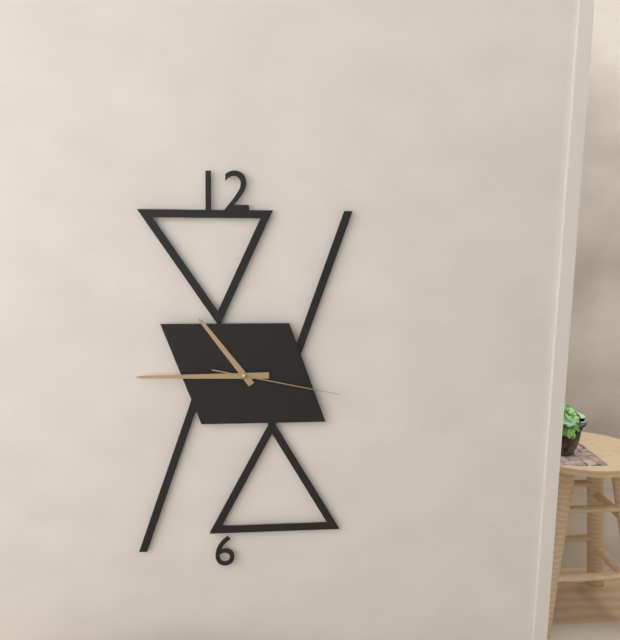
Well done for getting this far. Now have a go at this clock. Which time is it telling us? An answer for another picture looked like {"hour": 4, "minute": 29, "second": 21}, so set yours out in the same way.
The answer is {"hour": 10, "minute": 45, "second": 17}
